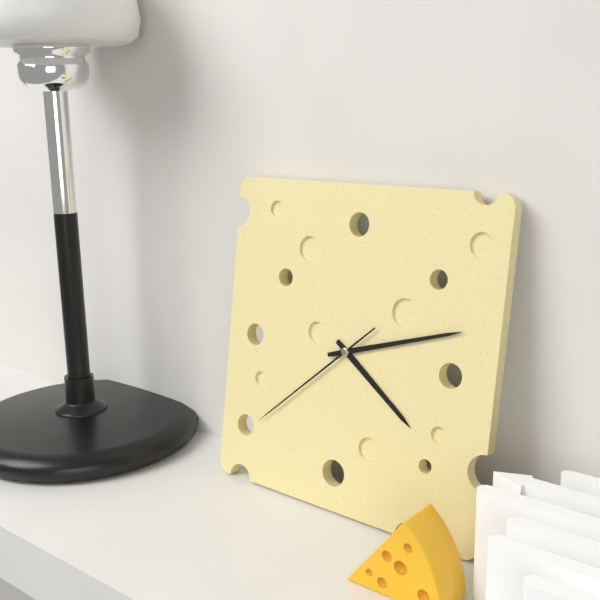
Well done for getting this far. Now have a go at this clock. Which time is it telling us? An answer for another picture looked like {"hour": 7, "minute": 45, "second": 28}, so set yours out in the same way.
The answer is {"hour": 4, "minute": 12, "second": 38}
